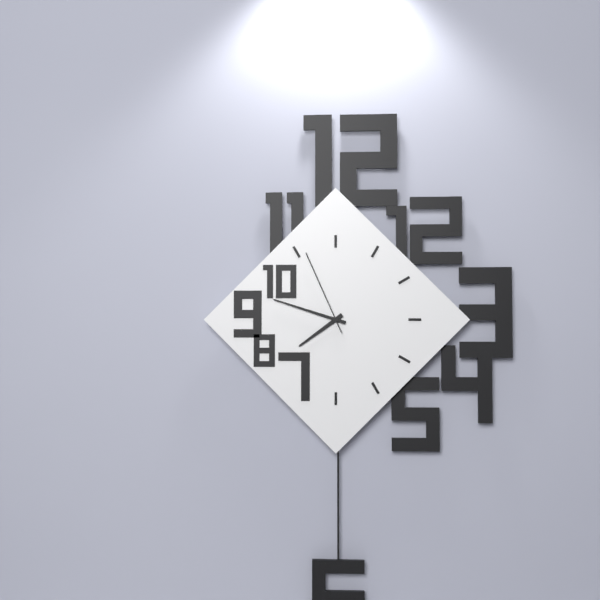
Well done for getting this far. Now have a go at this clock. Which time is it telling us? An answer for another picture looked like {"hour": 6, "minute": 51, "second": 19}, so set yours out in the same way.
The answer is {"hour": 7, "minute": 48, "second": 56}
